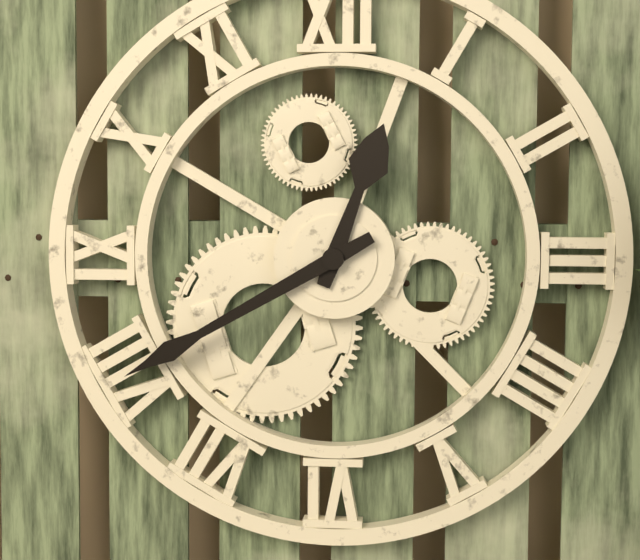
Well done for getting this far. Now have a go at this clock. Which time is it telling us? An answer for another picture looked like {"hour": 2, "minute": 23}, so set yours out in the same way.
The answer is {"hour": 12, "minute": 40}
